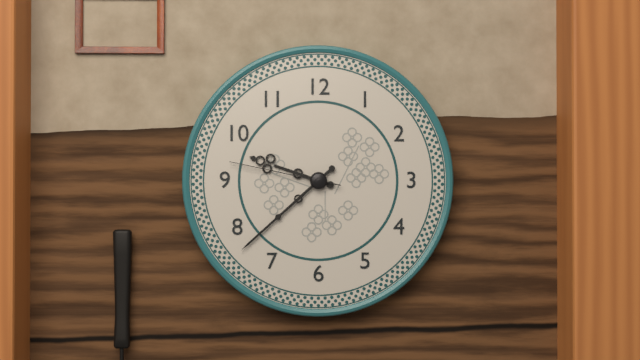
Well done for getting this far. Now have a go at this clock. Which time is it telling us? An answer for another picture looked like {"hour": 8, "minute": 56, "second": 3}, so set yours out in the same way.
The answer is {"hour": 9, "minute": 38, "second": 47}
